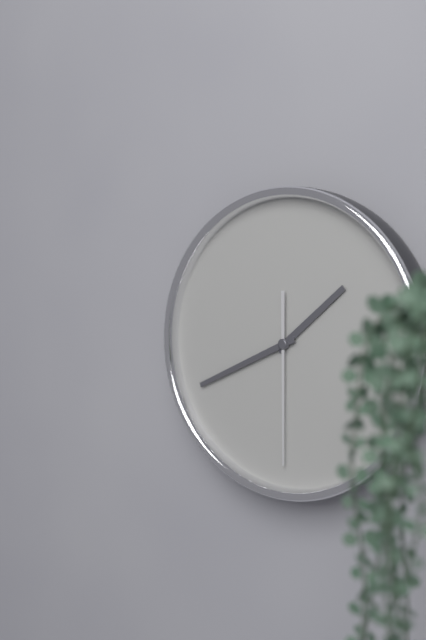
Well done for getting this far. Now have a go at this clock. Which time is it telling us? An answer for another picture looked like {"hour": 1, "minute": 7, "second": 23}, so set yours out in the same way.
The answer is {"hour": 1, "minute": 41, "second": 30}
